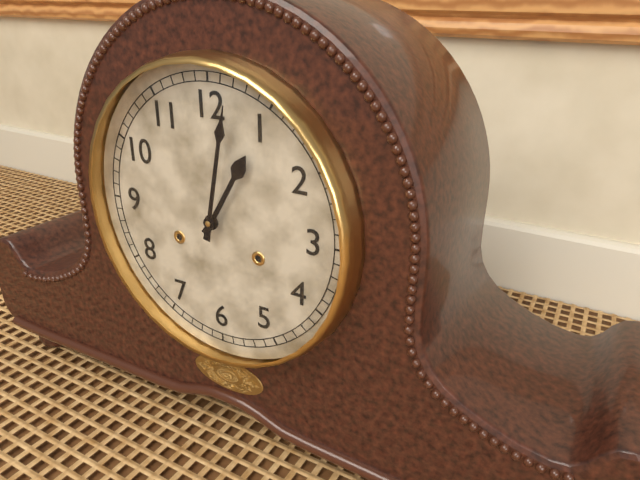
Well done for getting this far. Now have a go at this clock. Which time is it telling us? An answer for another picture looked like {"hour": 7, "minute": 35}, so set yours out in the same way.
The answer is {"hour": 1, "minute": 2}
